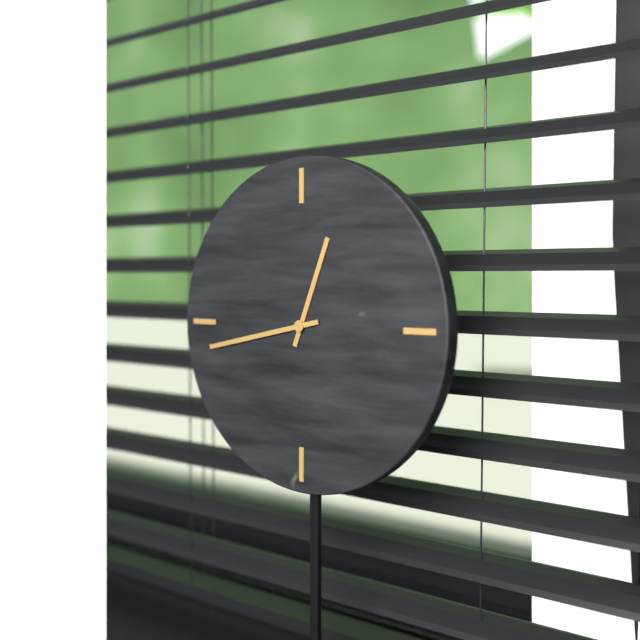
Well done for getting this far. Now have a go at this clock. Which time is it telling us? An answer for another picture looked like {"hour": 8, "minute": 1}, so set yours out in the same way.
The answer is {"hour": 12, "minute": 43}
